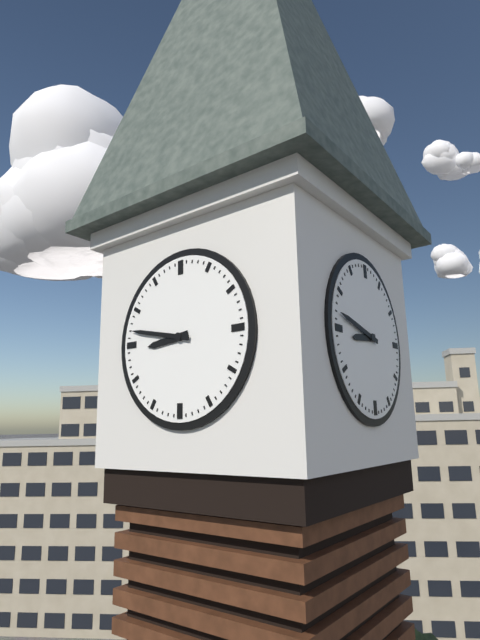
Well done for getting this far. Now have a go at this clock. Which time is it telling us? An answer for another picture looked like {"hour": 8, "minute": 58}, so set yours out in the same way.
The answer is {"hour": 8, "minute": 47}
